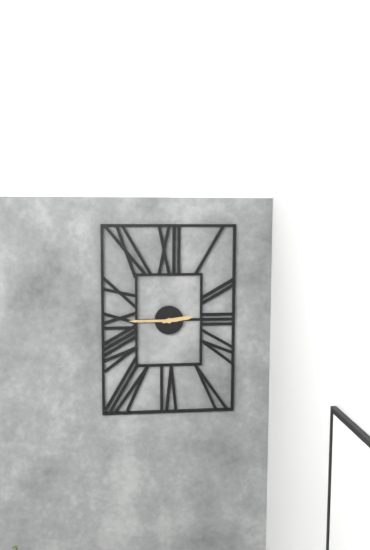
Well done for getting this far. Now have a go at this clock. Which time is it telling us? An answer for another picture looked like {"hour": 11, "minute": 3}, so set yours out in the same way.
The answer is {"hour": 2, "minute": 45}
